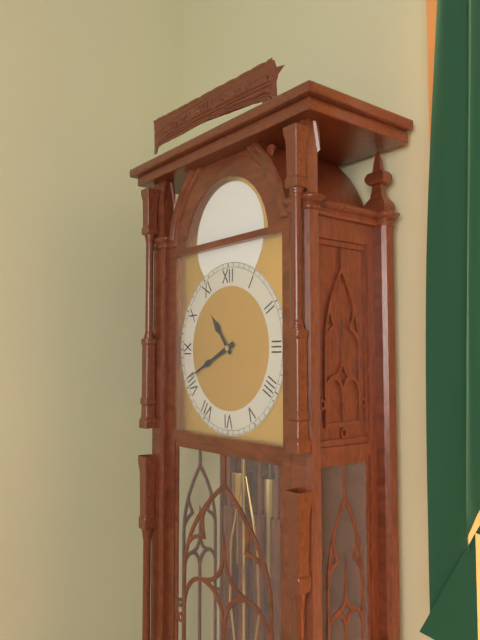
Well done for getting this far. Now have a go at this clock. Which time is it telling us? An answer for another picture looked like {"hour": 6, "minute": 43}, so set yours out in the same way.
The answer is {"hour": 10, "minute": 41}
